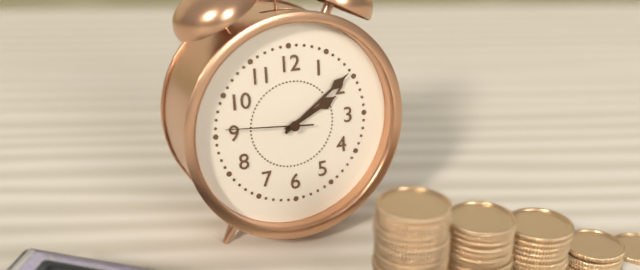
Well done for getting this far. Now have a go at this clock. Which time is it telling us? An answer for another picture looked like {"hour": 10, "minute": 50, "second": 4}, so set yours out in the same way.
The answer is {"hour": 2, "minute": 9, "second": 46}
